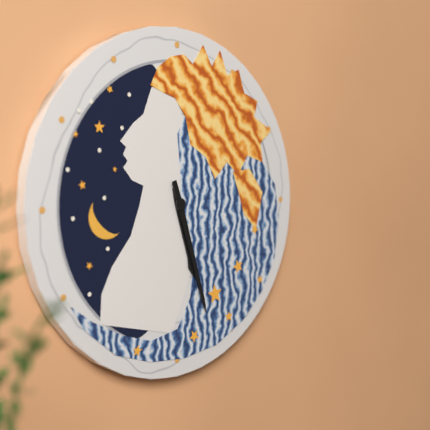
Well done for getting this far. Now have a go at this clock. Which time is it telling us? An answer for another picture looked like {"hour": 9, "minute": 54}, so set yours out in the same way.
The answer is {"hour": 5, "minute": 27}
